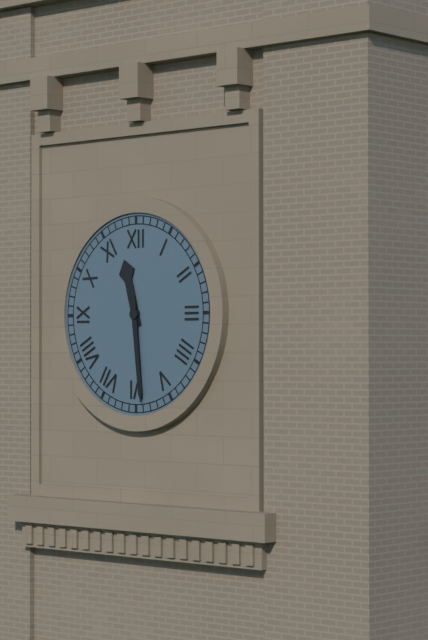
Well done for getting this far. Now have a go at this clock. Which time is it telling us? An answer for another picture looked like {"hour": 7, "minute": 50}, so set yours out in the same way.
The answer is {"hour": 11, "minute": 29}
